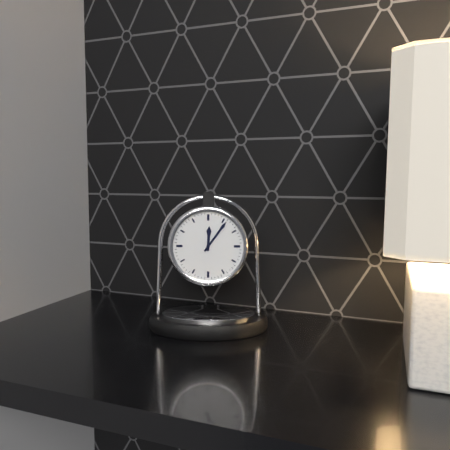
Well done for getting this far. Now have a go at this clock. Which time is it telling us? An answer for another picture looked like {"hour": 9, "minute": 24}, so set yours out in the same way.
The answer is {"hour": 12, "minute": 6}
